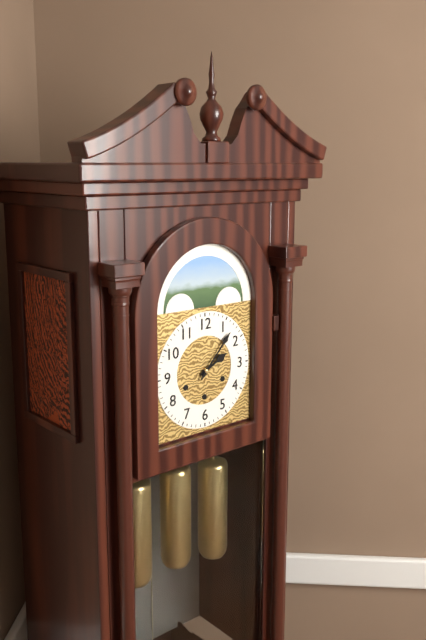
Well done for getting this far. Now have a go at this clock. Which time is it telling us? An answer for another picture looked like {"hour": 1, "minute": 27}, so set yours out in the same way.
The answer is {"hour": 2, "minute": 7}
